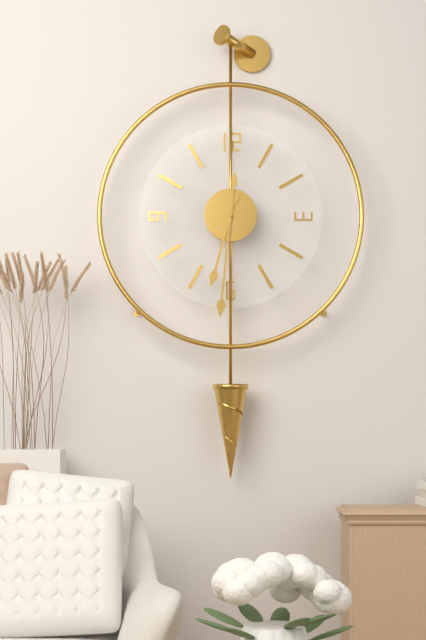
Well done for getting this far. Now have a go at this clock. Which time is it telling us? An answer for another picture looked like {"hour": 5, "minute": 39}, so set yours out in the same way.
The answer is {"hour": 6, "minute": 31}
